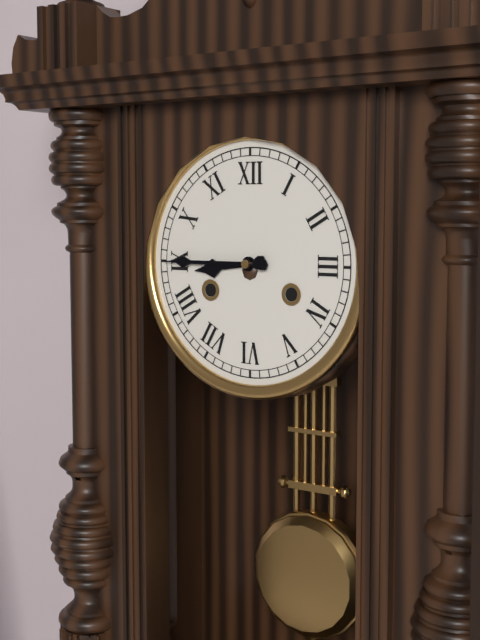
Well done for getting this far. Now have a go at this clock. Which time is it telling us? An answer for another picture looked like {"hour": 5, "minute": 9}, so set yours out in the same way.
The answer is {"hour": 8, "minute": 45}
